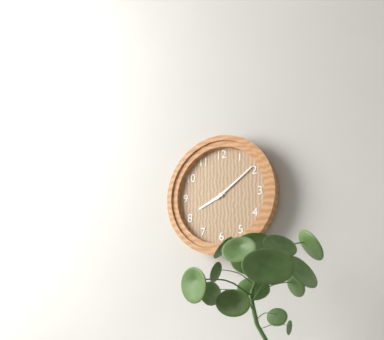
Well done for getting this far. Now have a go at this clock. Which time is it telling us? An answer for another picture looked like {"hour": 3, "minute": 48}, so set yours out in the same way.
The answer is {"hour": 8, "minute": 9}
